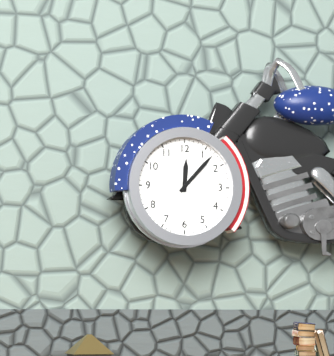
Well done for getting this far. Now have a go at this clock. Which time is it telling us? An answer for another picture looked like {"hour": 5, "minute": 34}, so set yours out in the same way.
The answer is {"hour": 12, "minute": 7}
